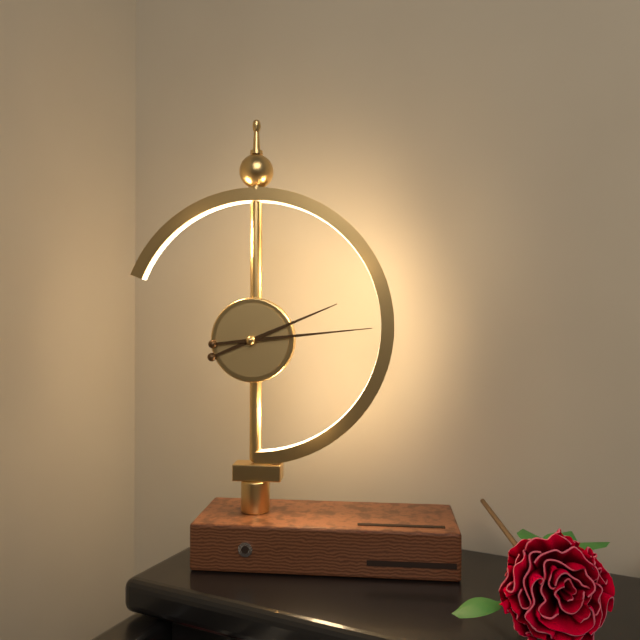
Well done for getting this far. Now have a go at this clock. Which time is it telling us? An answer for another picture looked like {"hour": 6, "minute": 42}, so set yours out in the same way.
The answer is {"hour": 2, "minute": 14}
